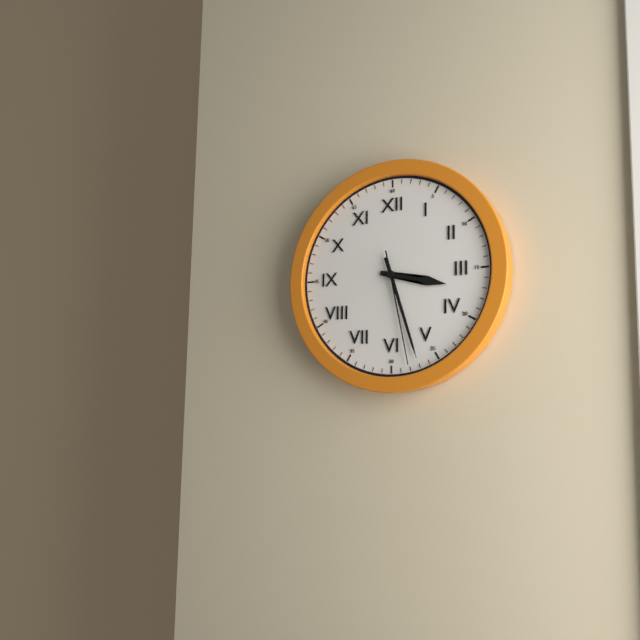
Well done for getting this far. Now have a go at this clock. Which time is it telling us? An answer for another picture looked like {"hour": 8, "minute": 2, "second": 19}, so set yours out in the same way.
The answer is {"hour": 3, "minute": 27, "second": 28}
